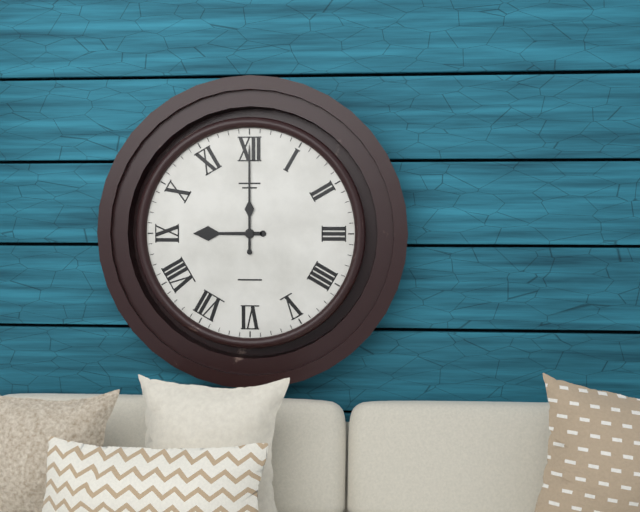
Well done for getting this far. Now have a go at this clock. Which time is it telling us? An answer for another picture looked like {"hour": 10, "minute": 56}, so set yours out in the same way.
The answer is {"hour": 9, "minute": 0}
